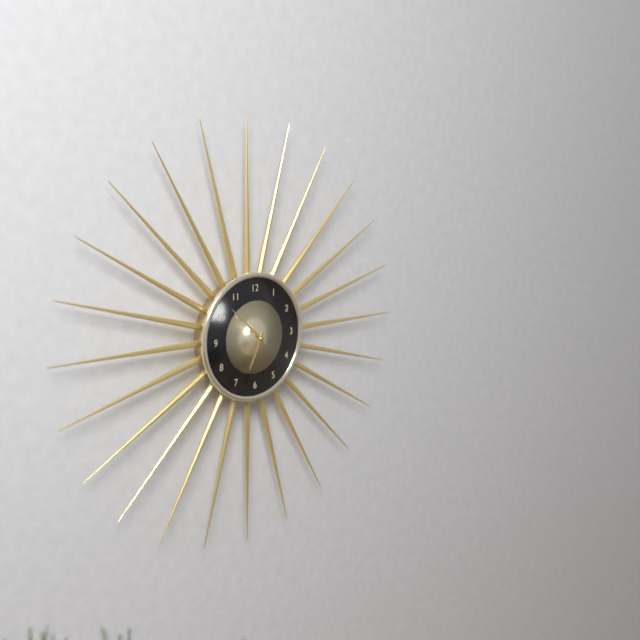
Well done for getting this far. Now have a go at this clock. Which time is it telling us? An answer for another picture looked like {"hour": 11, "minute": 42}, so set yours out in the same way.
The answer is {"hour": 6, "minute": 52}
